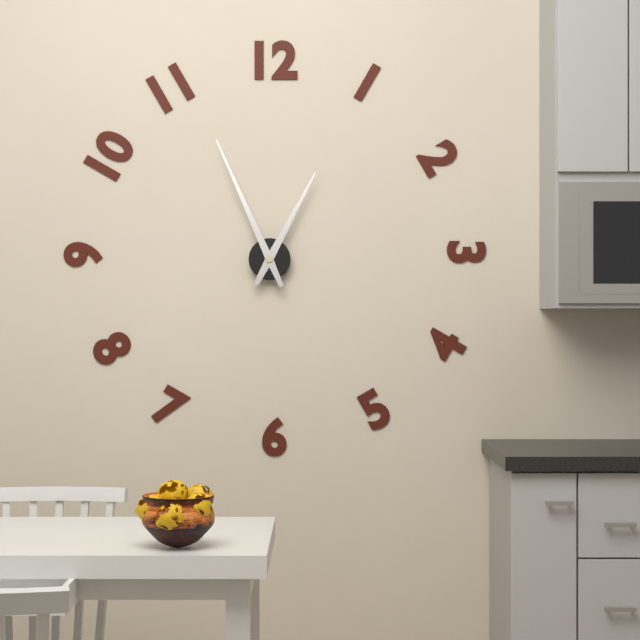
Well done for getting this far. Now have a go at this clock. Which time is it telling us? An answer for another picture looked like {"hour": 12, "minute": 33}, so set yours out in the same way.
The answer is {"hour": 12, "minute": 56}
